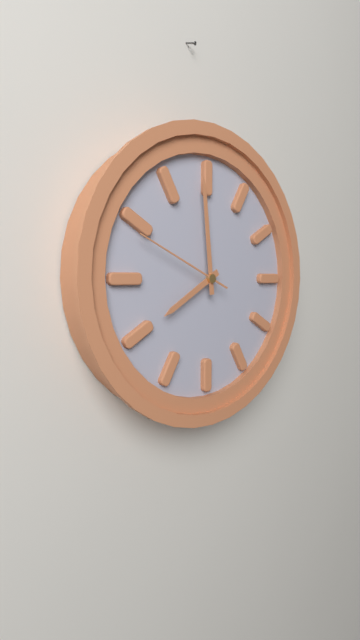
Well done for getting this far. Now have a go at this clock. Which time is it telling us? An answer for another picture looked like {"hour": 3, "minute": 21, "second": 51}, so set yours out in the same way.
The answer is {"hour": 7, "minute": 59, "second": 49}
